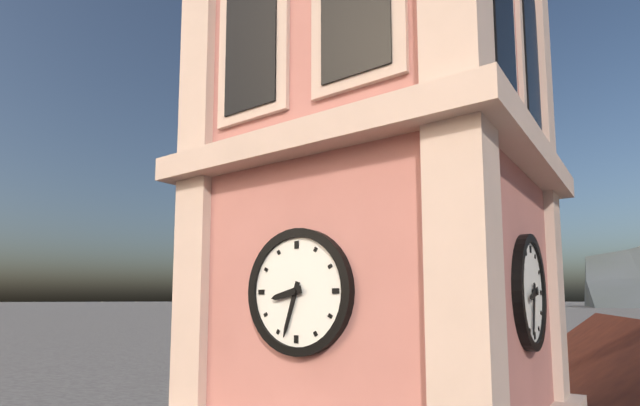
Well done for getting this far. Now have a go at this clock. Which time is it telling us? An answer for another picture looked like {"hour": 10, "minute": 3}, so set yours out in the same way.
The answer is {"hour": 8, "minute": 33}
